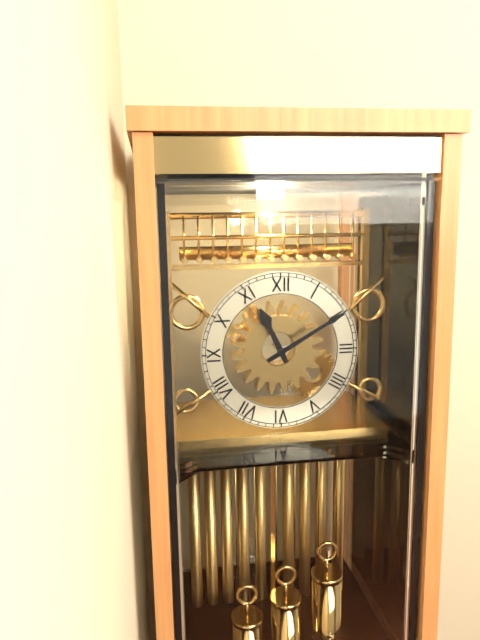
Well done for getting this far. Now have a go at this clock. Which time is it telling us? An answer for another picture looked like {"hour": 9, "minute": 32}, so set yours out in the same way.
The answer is {"hour": 11, "minute": 10}
